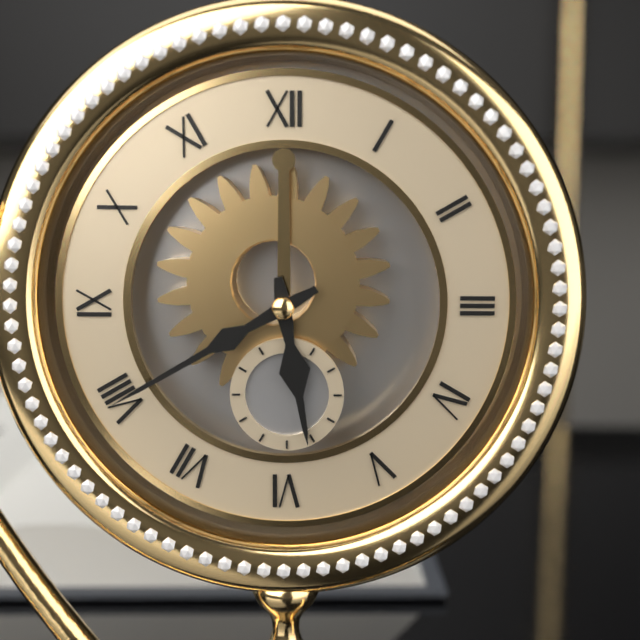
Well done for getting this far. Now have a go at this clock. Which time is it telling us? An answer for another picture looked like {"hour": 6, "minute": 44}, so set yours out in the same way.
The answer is {"hour": 5, "minute": 40}
